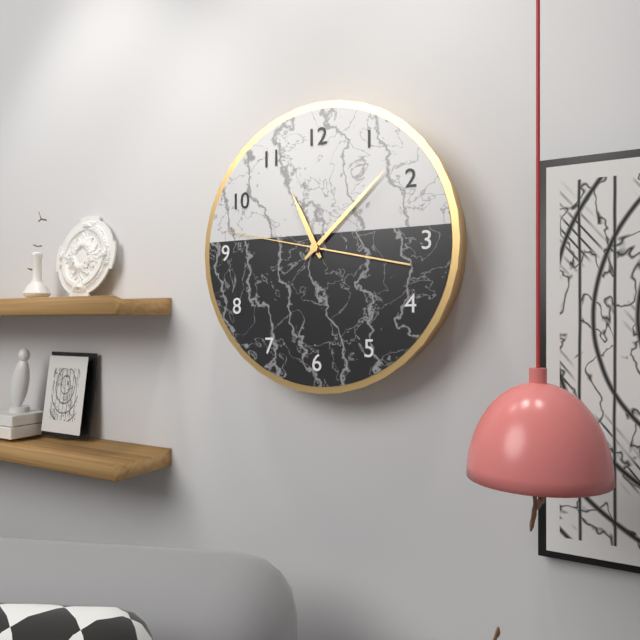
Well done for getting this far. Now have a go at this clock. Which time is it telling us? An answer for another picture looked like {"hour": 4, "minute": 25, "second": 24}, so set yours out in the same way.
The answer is {"hour": 11, "minute": 8, "second": 47}
